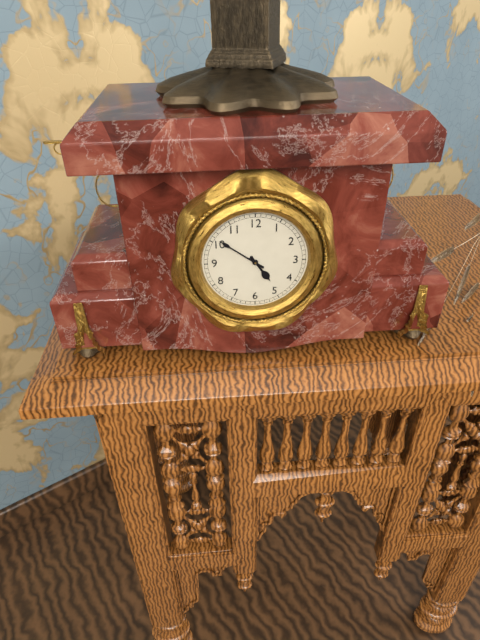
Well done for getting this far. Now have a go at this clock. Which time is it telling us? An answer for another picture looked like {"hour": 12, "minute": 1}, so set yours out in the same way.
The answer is {"hour": 4, "minute": 51}
